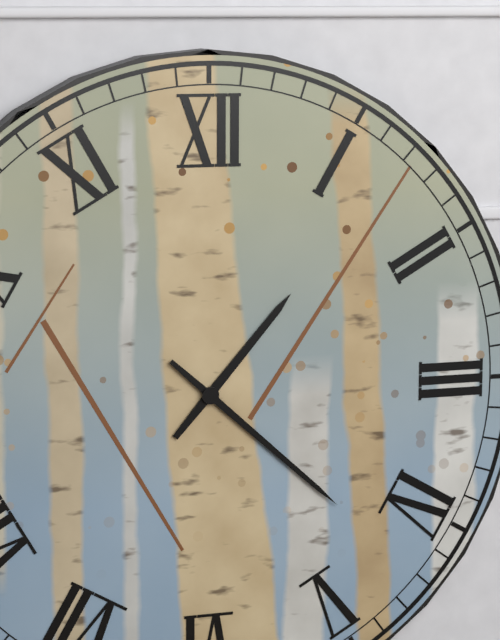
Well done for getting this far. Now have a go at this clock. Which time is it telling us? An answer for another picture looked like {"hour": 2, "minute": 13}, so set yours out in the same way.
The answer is {"hour": 1, "minute": 22}
